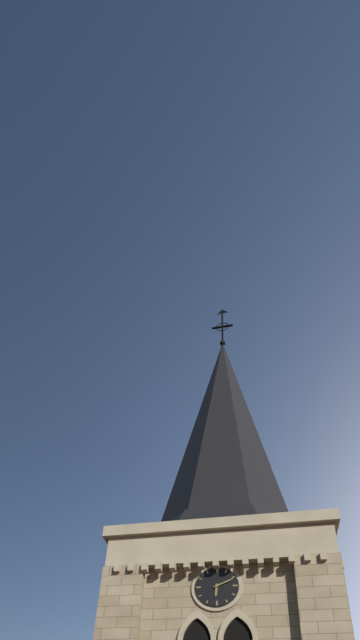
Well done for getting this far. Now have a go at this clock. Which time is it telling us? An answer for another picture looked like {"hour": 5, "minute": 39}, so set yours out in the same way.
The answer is {"hour": 6, "minute": 11}
